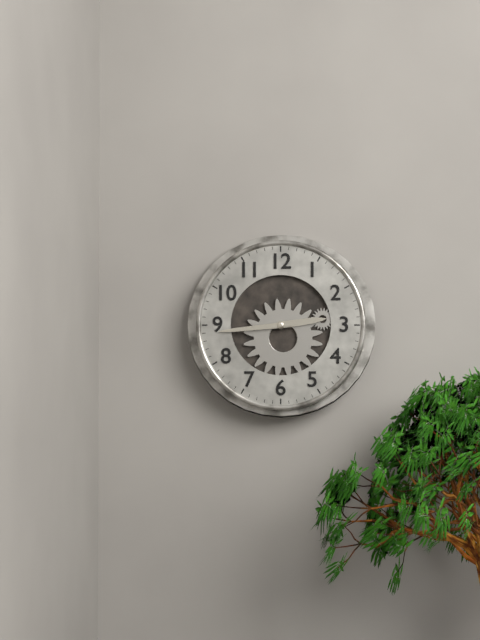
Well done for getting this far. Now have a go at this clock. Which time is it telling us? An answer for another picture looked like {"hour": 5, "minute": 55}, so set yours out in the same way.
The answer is {"hour": 2, "minute": 44}
